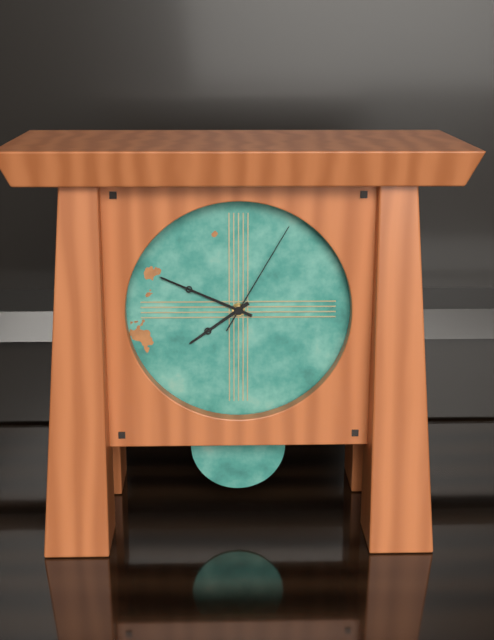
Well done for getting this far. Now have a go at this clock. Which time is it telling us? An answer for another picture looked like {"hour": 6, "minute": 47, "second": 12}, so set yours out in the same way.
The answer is {"hour": 7, "minute": 49, "second": 5}
